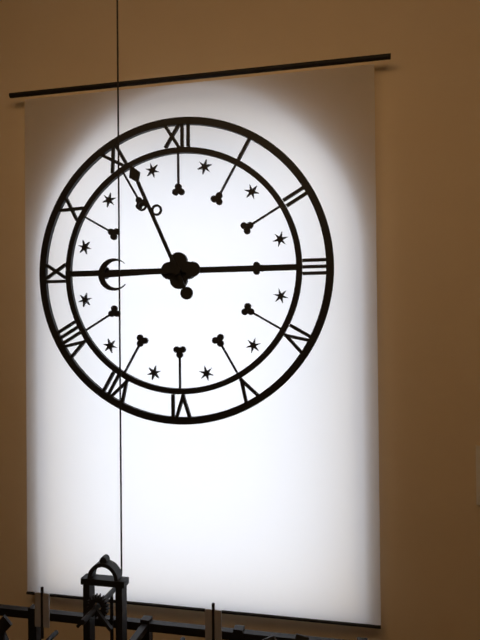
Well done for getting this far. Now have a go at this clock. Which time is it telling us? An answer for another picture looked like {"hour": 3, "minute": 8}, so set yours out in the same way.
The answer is {"hour": 8, "minute": 56}
